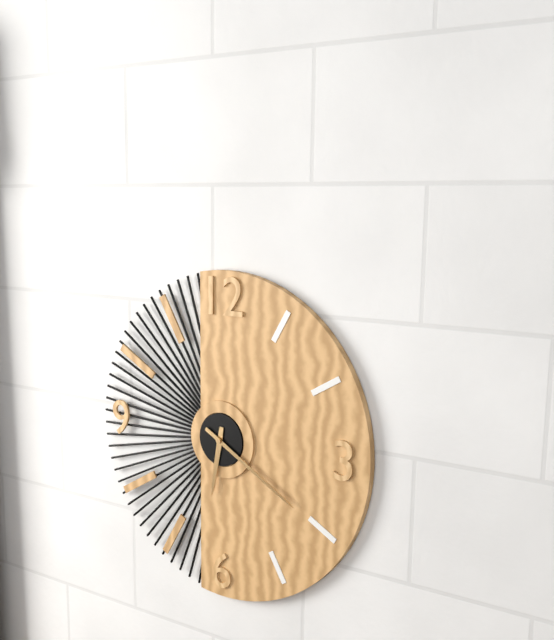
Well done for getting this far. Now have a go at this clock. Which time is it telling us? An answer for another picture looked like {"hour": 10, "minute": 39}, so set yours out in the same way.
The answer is {"hour": 6, "minute": 20}
